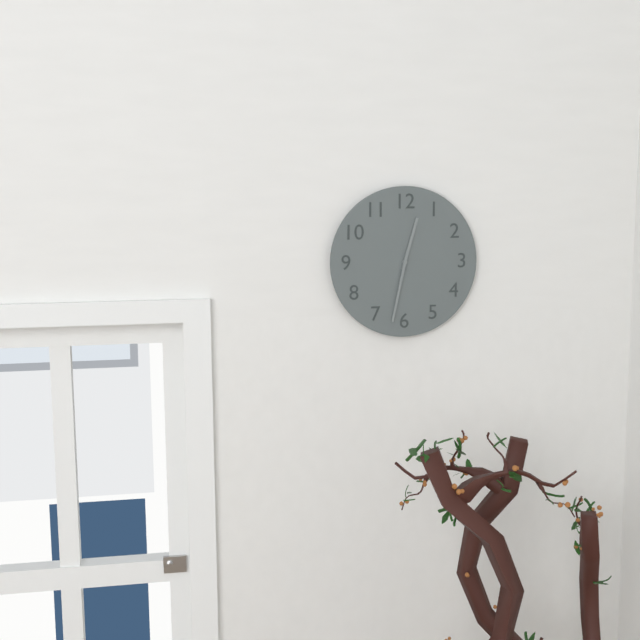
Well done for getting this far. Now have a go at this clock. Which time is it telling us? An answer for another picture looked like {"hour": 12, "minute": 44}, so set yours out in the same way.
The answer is {"hour": 12, "minute": 32}
